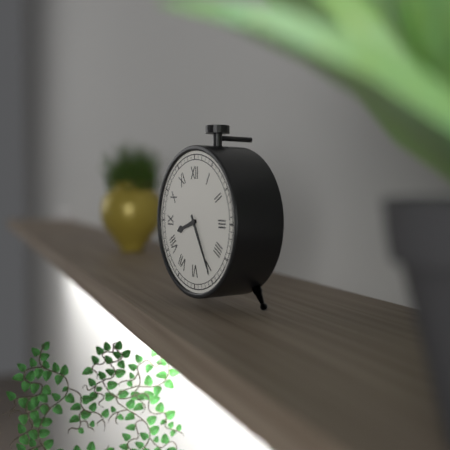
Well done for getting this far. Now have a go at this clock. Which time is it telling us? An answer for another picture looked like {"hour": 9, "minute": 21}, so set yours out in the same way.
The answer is {"hour": 8, "minute": 25}
